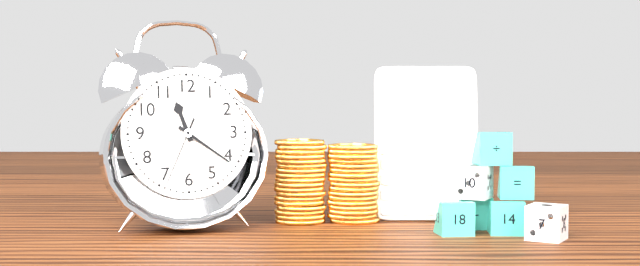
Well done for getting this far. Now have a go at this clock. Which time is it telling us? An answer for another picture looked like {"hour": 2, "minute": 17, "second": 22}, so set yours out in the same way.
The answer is {"hour": 11, "minute": 21, "second": 34}
